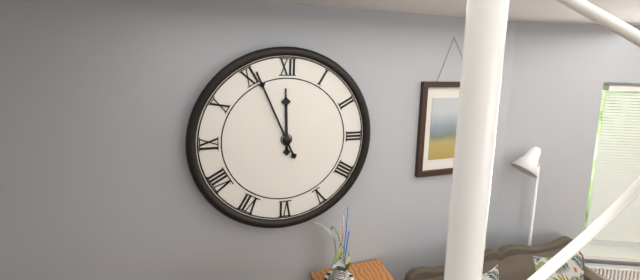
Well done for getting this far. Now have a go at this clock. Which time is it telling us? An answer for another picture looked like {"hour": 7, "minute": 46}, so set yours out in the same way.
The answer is {"hour": 11, "minute": 56}
